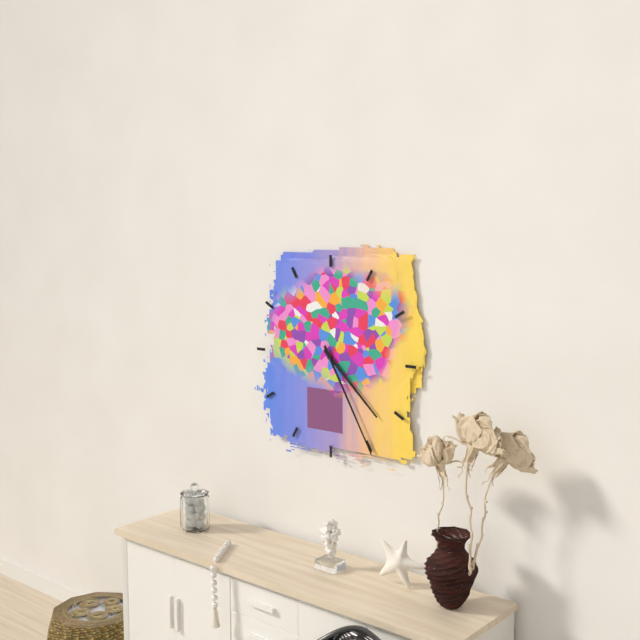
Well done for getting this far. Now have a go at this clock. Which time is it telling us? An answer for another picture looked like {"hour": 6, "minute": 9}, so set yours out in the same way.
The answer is {"hour": 4, "minute": 25}
